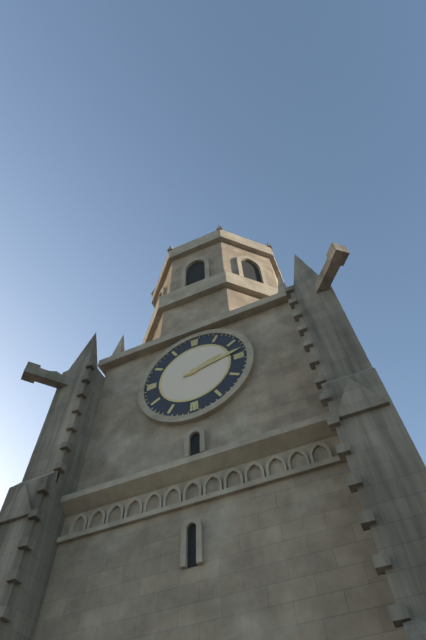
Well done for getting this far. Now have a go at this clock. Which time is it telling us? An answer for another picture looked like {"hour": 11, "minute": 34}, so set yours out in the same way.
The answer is {"hour": 2, "minute": 13}
